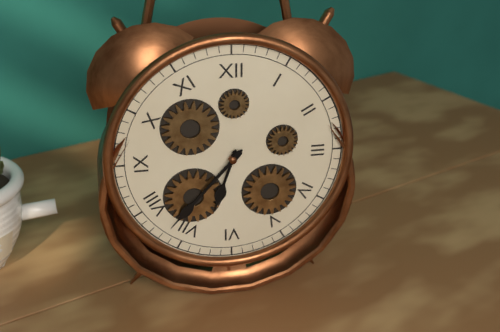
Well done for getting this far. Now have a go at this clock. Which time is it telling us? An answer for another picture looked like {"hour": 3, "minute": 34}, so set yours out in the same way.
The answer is {"hour": 6, "minute": 37}
